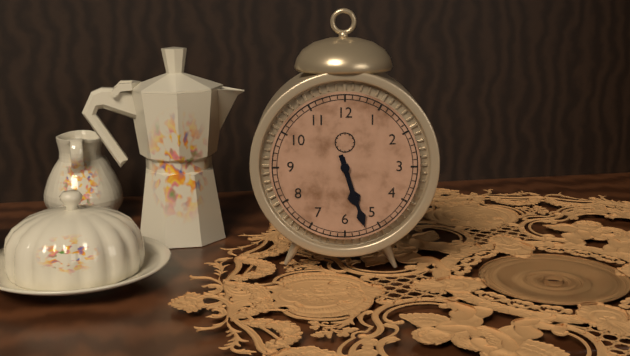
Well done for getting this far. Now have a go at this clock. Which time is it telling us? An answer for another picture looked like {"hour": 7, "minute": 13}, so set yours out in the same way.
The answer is {"hour": 5, "minute": 27}
